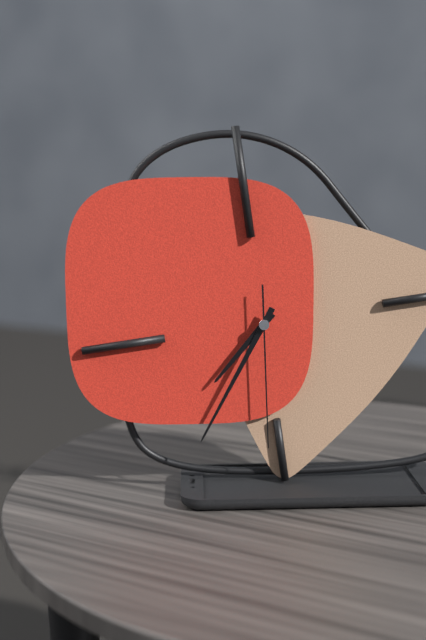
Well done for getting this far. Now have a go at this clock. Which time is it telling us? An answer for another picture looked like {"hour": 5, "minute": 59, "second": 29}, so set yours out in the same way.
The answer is {"hour": 7, "minute": 36, "second": 31}
